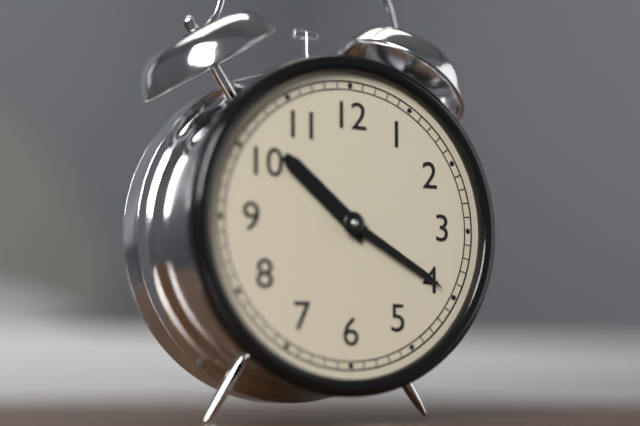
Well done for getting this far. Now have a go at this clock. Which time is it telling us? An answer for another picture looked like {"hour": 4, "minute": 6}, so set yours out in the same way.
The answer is {"hour": 10, "minute": 20}
